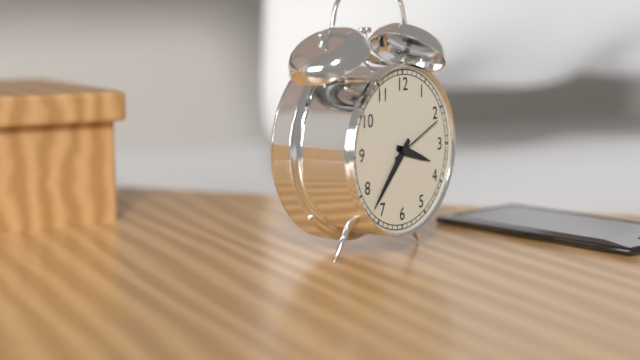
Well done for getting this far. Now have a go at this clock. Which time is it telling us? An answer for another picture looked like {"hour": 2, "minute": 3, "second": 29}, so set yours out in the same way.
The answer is {"hour": 3, "minute": 37, "second": 11}
